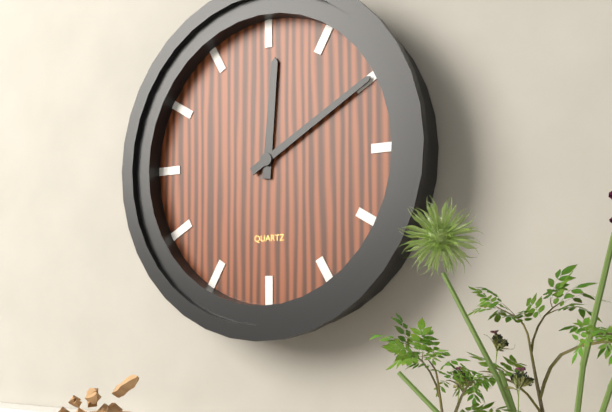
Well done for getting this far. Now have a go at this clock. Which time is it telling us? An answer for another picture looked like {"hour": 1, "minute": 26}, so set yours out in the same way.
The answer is {"hour": 12, "minute": 10}
